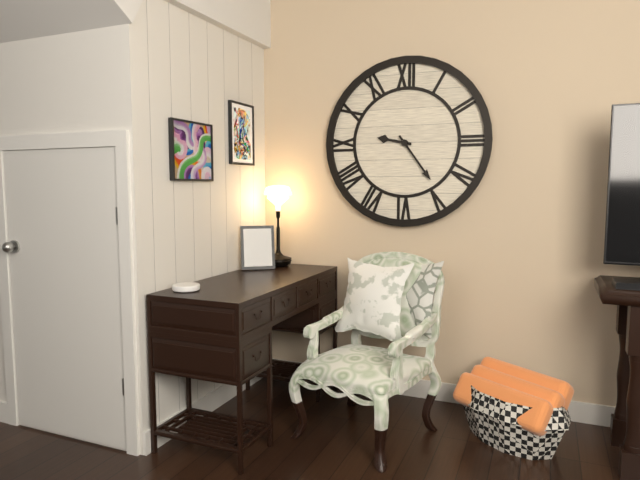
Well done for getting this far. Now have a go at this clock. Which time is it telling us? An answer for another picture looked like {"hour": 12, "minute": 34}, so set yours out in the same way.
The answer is {"hour": 9, "minute": 24}
